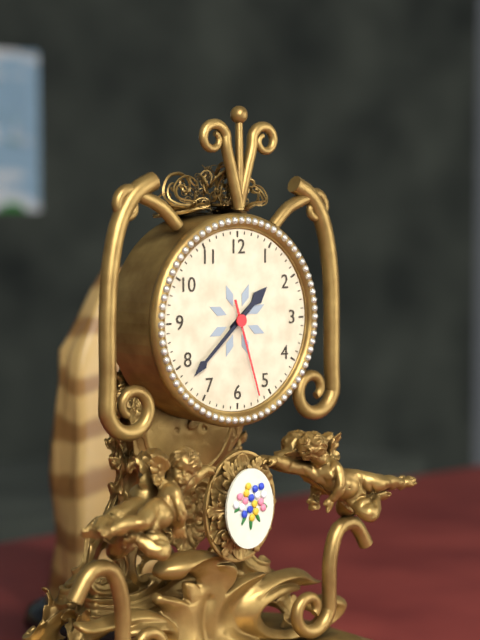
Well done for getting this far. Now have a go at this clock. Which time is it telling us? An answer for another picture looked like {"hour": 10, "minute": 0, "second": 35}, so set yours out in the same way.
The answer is {"hour": 1, "minute": 38, "second": 27}
